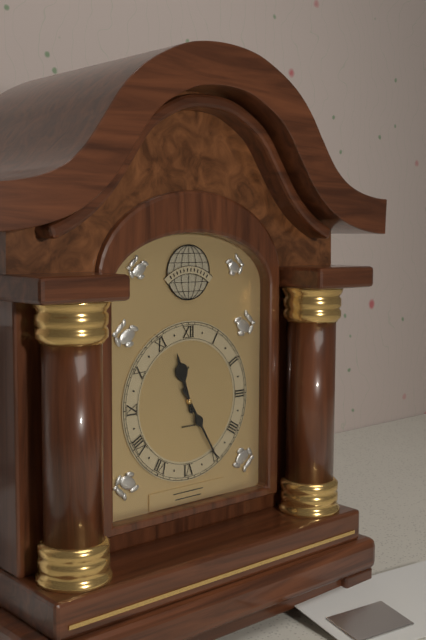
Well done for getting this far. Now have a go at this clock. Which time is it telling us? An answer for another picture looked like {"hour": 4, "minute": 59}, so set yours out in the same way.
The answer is {"hour": 11, "minute": 25}
